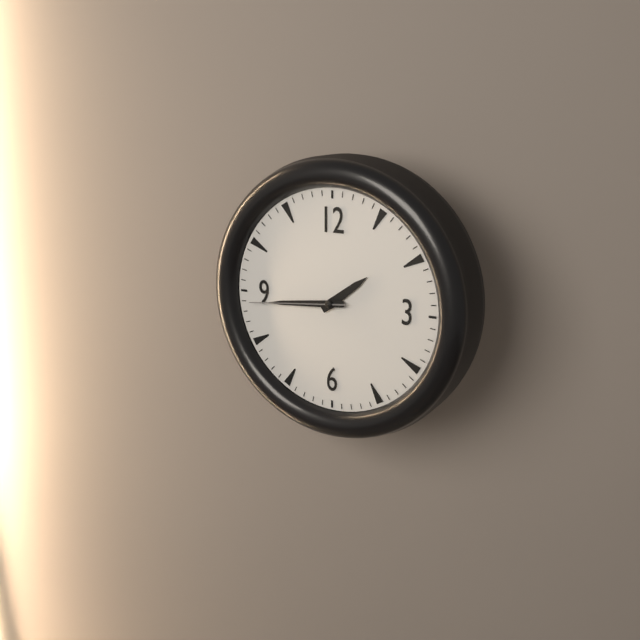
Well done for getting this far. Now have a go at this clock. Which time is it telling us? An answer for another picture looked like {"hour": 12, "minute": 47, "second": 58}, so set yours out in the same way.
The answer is {"hour": 1, "minute": 44, "second": 44}
